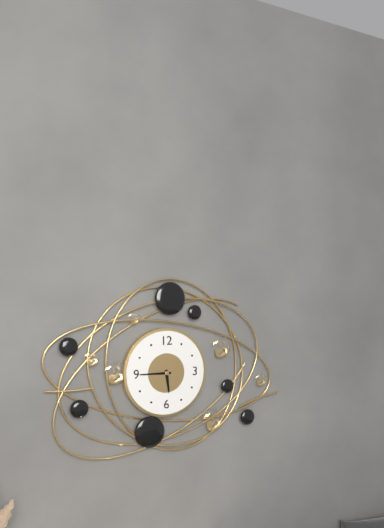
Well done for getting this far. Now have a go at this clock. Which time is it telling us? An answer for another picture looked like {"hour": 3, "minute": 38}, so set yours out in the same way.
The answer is {"hour": 5, "minute": 45}
